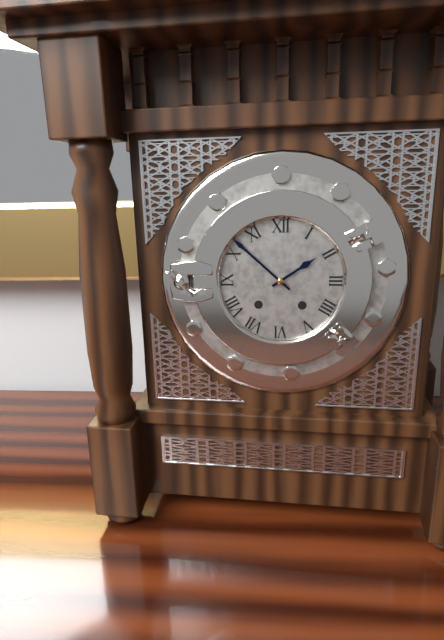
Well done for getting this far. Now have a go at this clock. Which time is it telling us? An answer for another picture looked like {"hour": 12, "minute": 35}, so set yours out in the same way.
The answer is {"hour": 1, "minute": 52}
